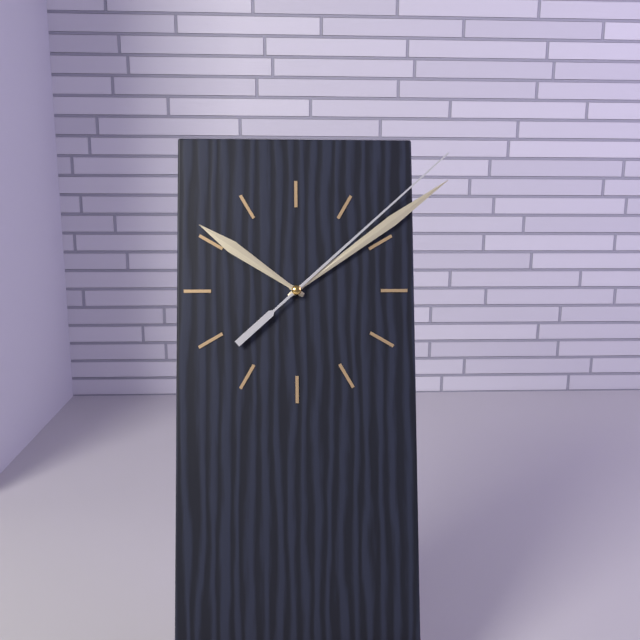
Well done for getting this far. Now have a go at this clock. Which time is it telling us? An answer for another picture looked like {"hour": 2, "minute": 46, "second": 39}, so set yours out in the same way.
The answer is {"hour": 10, "minute": 9, "second": 8}
